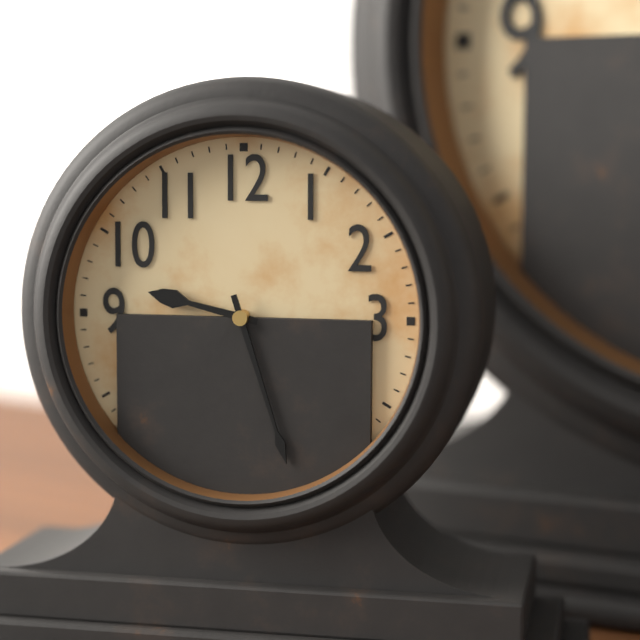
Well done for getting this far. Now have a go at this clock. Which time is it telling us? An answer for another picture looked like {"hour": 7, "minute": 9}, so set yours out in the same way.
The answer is {"hour": 9, "minute": 27}
